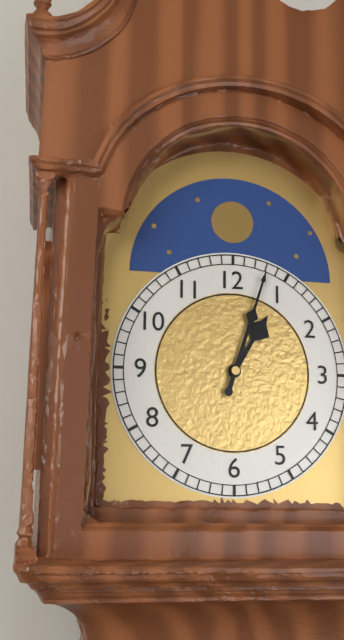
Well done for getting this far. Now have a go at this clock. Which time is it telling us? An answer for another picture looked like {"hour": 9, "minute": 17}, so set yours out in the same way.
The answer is {"hour": 1, "minute": 3}
